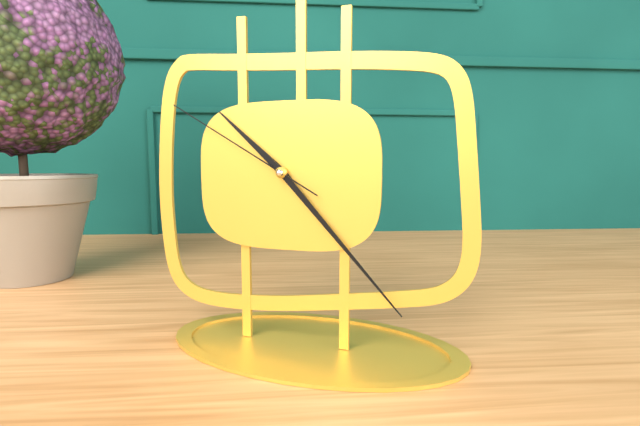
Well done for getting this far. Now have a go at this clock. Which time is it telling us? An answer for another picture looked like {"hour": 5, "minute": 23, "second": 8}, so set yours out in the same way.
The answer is {"hour": 10, "minute": 23, "second": 50}
